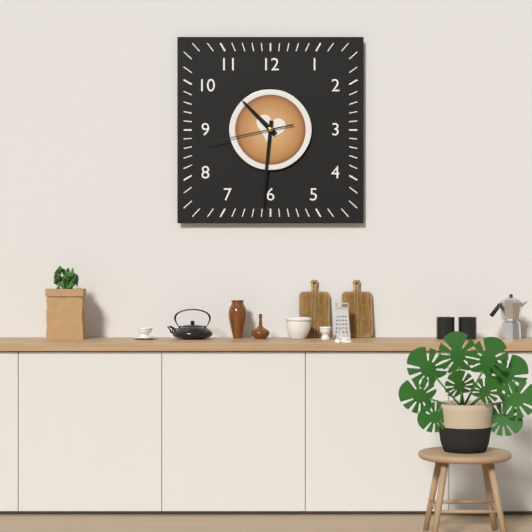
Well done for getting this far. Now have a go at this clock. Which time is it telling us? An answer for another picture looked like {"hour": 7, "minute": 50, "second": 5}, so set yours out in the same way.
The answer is {"hour": 10, "minute": 31, "second": 43}
